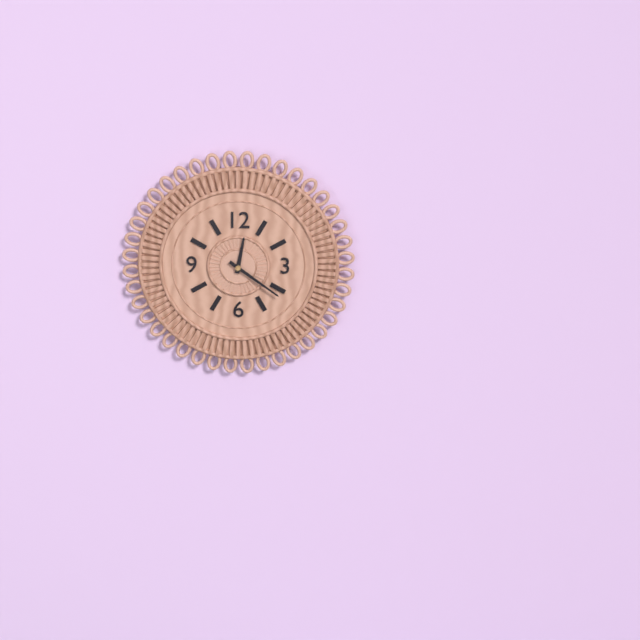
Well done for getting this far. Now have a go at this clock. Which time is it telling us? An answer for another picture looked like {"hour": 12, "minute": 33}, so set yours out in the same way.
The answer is {"hour": 12, "minute": 21}
